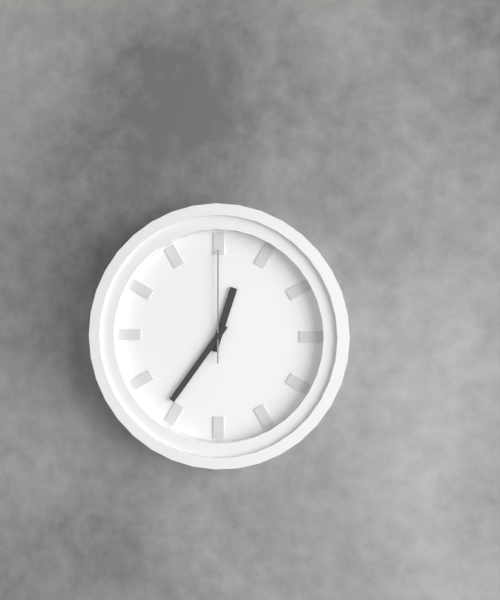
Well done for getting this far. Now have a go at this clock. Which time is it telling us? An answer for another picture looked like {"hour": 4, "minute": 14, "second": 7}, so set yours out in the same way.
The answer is {"hour": 12, "minute": 36, "second": 0}
